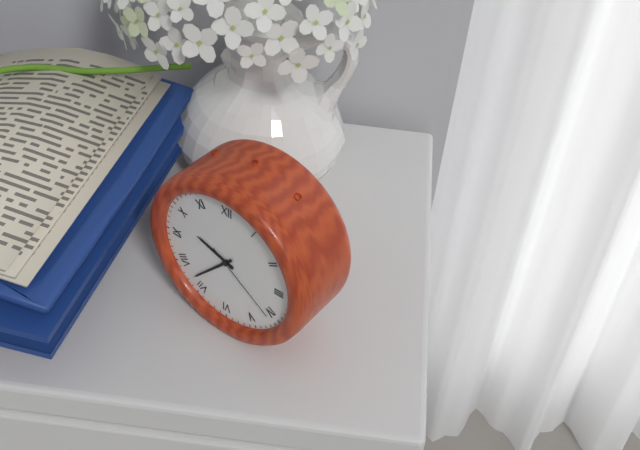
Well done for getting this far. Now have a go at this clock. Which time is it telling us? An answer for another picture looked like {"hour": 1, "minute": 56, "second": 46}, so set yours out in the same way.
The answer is {"hour": 9, "minute": 37, "second": 21}
